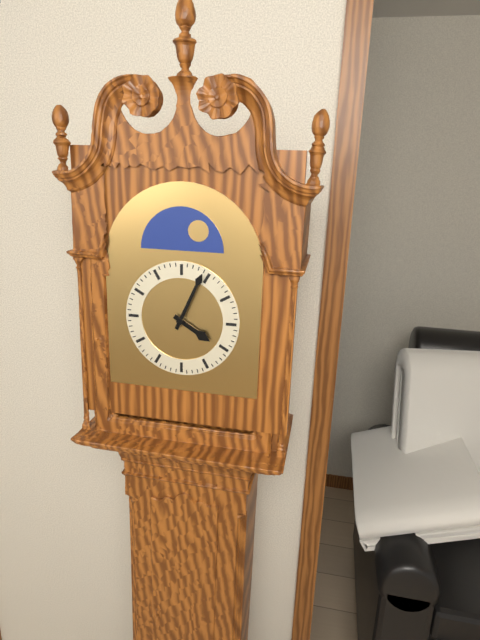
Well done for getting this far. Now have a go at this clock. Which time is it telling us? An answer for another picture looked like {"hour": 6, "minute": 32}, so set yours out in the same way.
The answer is {"hour": 4, "minute": 4}
